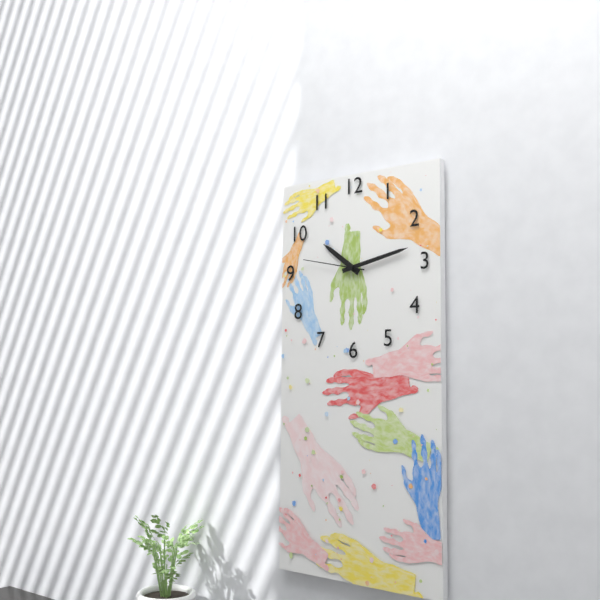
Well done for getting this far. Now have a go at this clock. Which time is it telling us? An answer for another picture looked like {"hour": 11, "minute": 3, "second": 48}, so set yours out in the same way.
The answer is {"hour": 10, "minute": 13, "second": 47}
